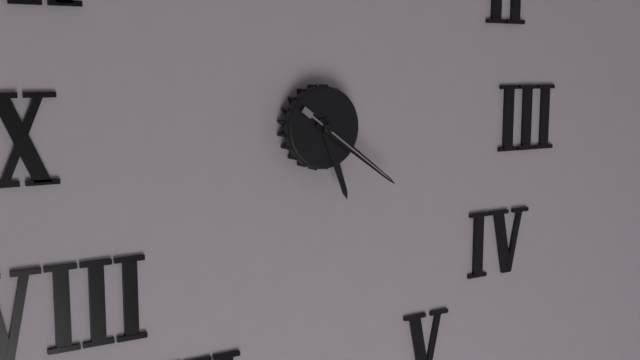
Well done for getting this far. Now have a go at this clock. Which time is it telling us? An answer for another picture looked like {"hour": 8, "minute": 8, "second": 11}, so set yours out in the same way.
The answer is {"hour": 5, "minute": 21, "second": 21}
